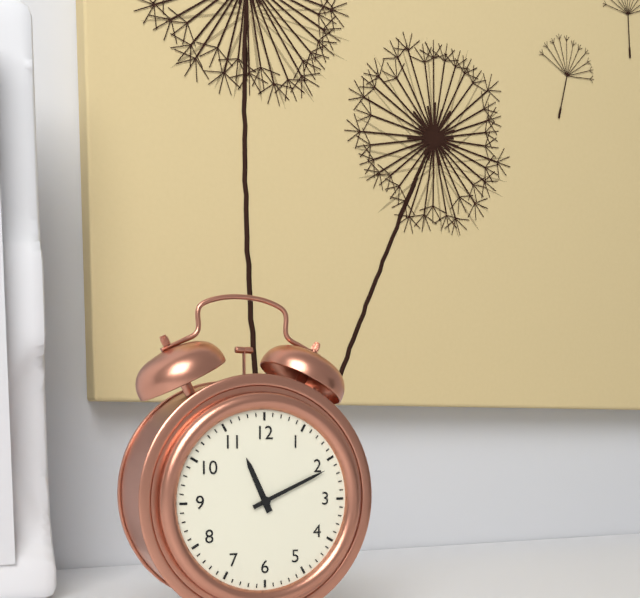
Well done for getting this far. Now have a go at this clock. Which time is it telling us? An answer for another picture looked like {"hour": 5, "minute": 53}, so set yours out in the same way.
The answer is {"hour": 11, "minute": 11}
